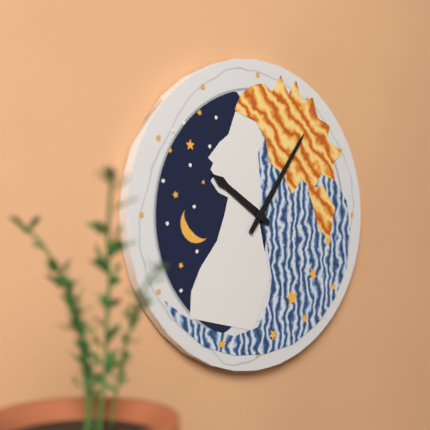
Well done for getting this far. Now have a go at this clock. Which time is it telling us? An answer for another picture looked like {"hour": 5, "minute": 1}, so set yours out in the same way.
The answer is {"hour": 10, "minute": 6}
